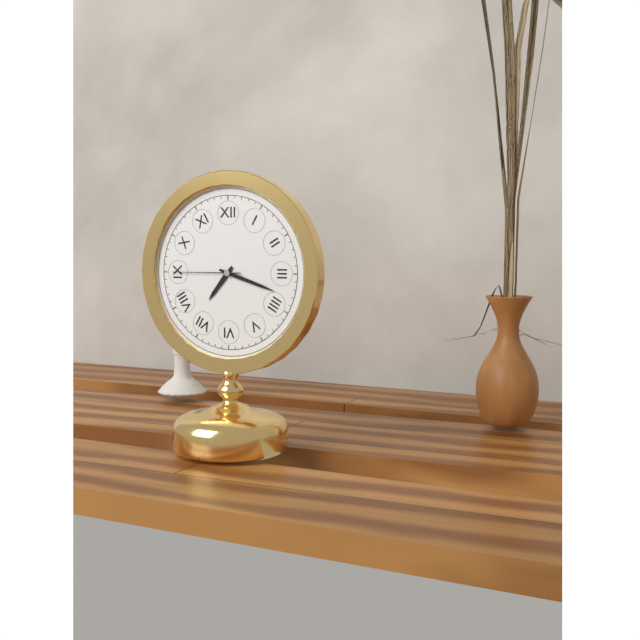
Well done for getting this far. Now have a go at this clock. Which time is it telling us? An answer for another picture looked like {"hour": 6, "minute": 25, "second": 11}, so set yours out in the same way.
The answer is {"hour": 7, "minute": 18, "second": 45}
